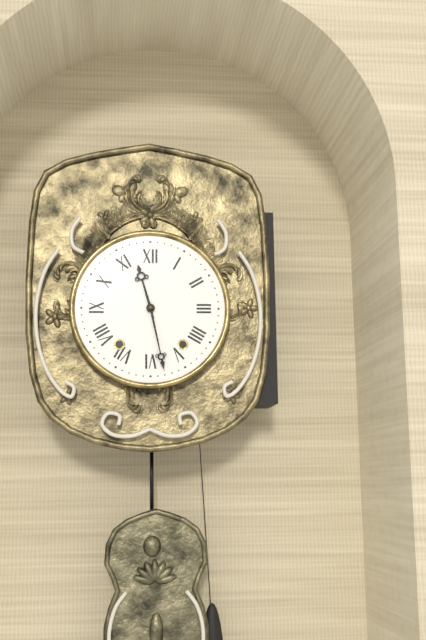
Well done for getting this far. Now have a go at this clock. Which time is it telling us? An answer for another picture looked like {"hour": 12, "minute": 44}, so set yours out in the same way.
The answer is {"hour": 11, "minute": 28}
